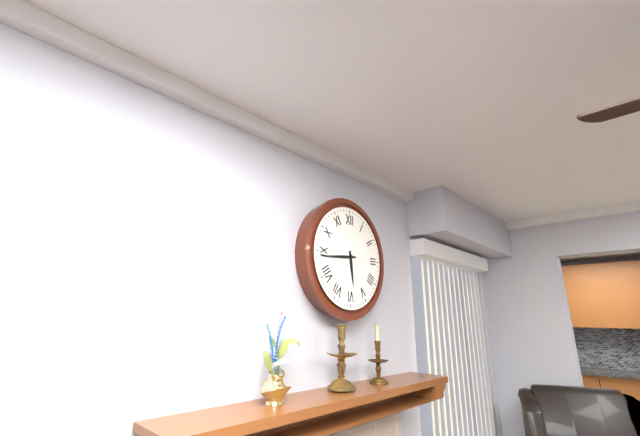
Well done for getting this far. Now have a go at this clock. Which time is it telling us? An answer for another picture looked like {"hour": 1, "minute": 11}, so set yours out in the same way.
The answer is {"hour": 5, "minute": 44}
